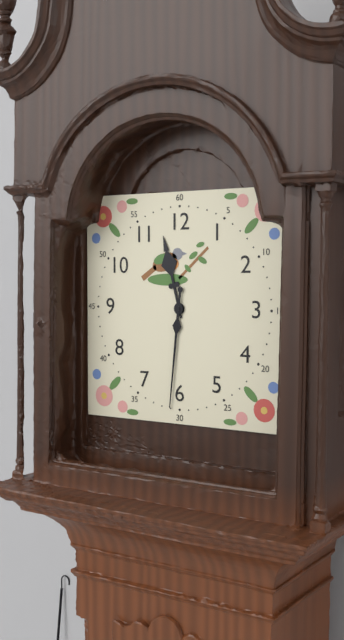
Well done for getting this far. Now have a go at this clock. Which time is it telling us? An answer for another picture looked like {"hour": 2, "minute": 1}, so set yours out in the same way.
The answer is {"hour": 11, "minute": 31}
